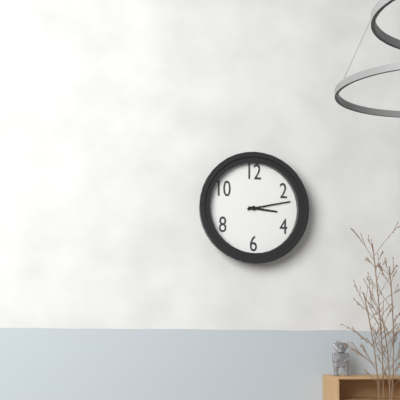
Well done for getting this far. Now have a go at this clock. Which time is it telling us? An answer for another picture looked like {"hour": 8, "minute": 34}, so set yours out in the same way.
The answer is {"hour": 3, "minute": 13}
